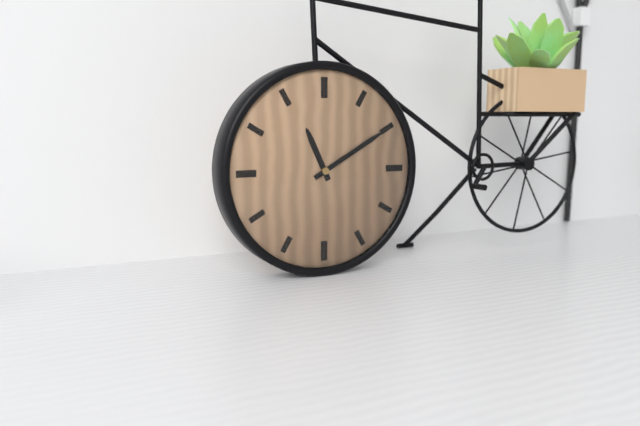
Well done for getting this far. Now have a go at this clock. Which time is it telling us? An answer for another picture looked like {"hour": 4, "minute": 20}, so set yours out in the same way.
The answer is {"hour": 11, "minute": 10}
